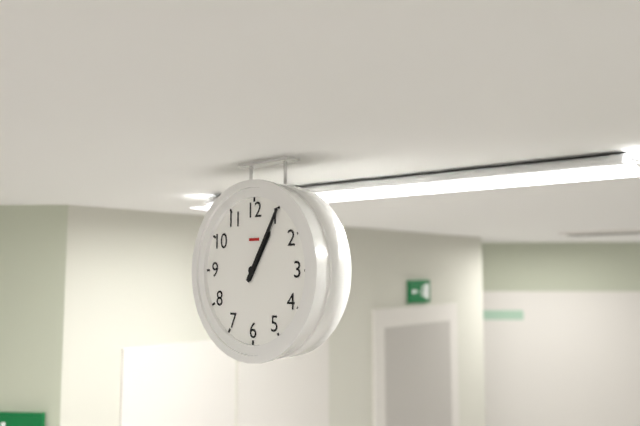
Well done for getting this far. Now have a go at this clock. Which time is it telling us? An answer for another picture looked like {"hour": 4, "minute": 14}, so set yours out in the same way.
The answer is {"hour": 1, "minute": 5}
